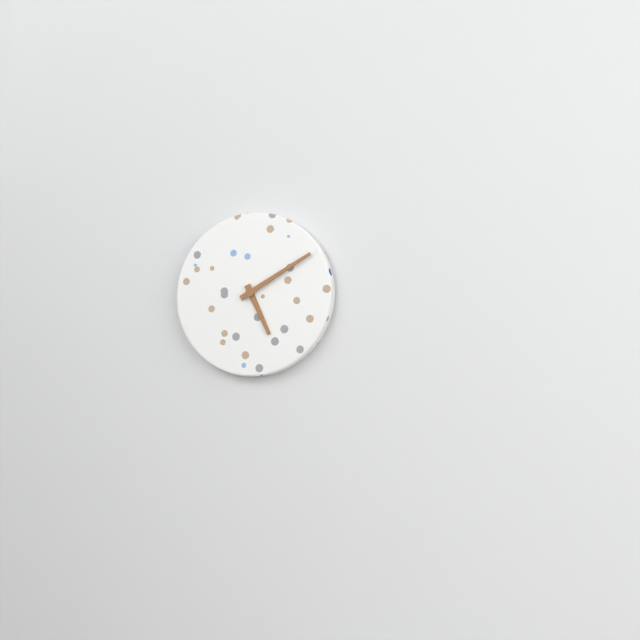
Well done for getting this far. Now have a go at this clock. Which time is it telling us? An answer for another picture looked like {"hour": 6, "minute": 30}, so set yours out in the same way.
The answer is {"hour": 5, "minute": 10}
